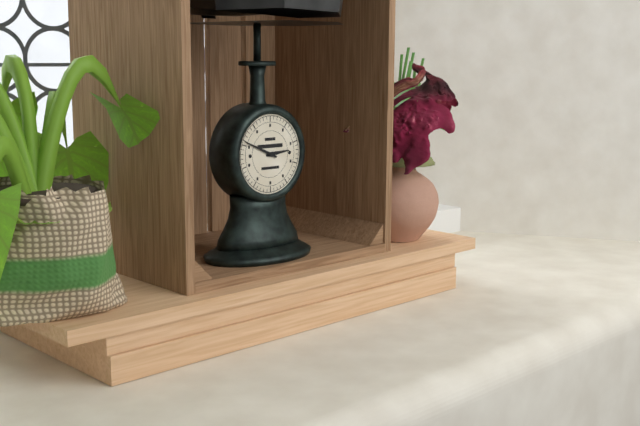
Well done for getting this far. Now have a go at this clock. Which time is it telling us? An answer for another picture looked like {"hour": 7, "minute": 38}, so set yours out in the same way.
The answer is {"hour": 2, "minute": 49}
